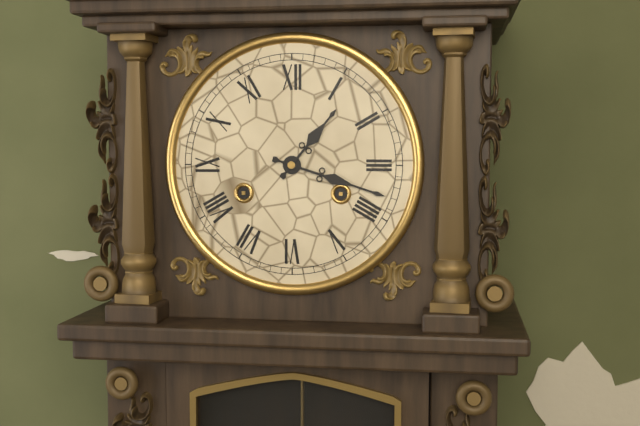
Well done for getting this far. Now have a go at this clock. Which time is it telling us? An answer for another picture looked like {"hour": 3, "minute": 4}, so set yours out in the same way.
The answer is {"hour": 1, "minute": 18}
